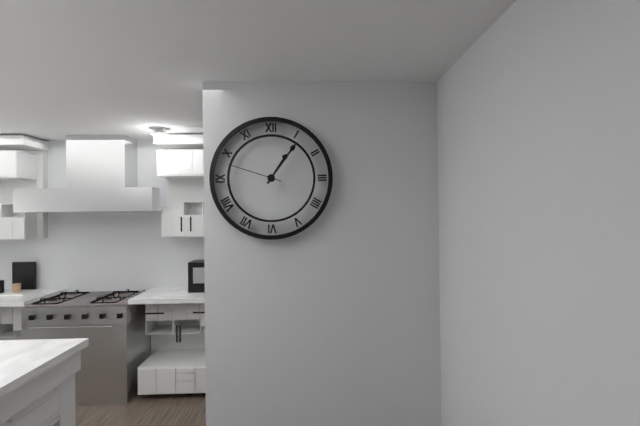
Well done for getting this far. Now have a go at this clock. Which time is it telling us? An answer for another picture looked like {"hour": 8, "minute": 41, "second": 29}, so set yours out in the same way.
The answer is {"hour": 1, "minute": 6, "second": 48}
